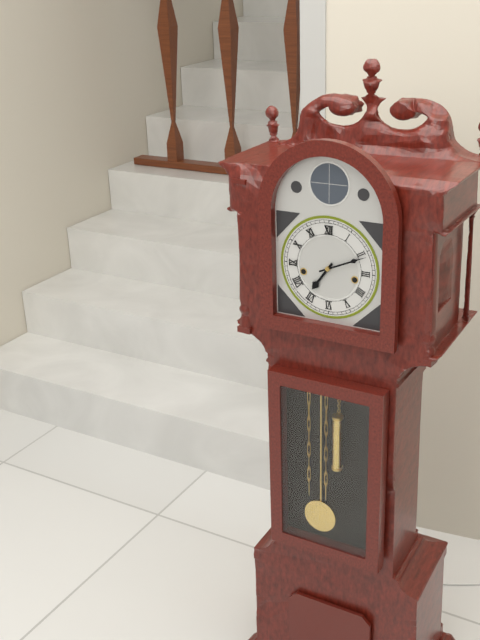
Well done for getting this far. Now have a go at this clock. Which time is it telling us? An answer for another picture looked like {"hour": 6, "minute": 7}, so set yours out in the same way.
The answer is {"hour": 7, "minute": 11}
